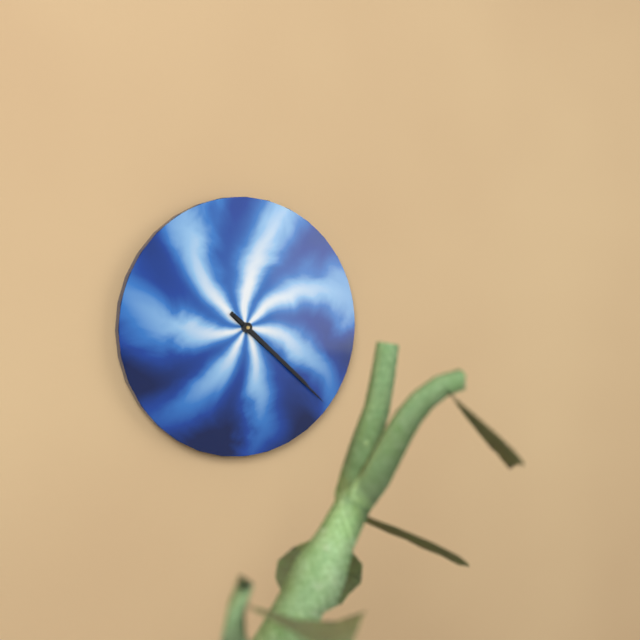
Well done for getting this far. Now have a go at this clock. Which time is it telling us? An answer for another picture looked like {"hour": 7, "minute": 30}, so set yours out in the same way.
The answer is {"hour": 4, "minute": 22}
